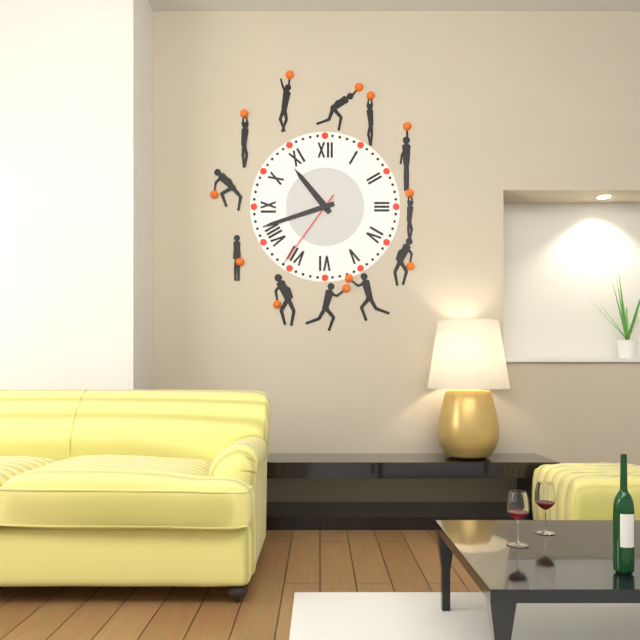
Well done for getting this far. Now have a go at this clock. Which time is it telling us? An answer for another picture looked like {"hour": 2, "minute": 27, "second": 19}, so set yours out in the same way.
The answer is {"hour": 10, "minute": 42, "second": 36}
